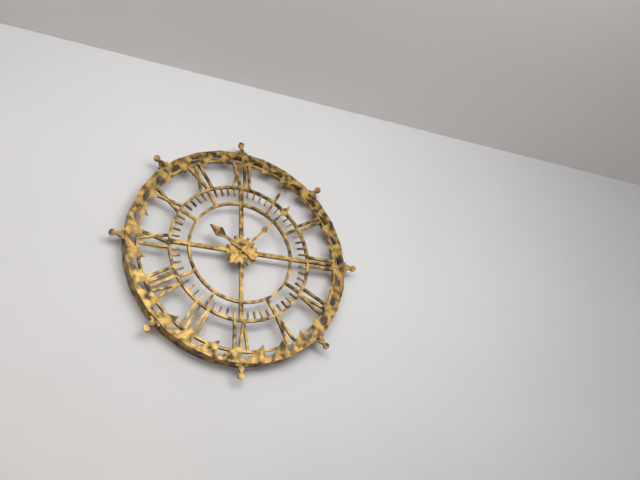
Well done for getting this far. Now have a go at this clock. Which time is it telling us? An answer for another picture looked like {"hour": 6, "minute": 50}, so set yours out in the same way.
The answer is {"hour": 10, "minute": 7}
